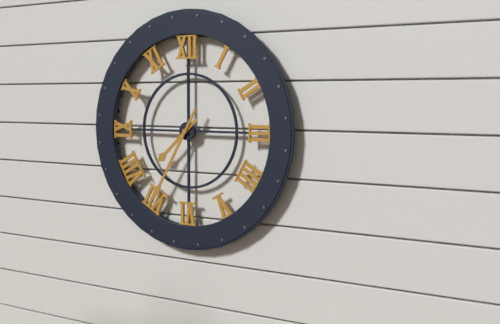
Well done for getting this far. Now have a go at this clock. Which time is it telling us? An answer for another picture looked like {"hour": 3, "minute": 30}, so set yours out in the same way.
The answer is {"hour": 7, "minute": 35}
